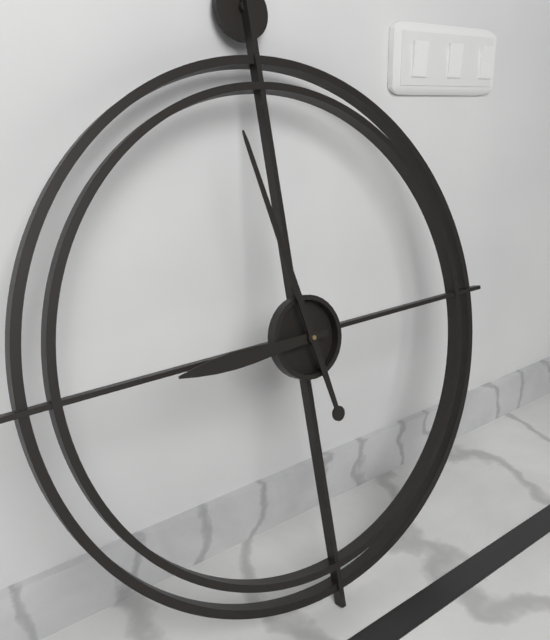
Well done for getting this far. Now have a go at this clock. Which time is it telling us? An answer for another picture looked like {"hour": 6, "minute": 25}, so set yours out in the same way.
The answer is {"hour": 8, "minute": 58}
